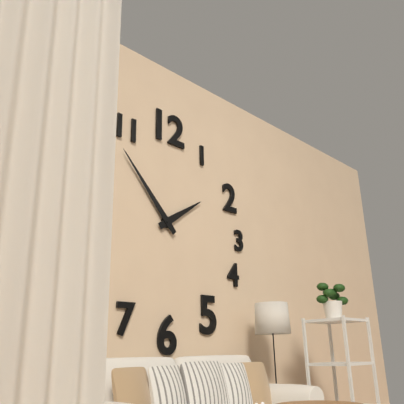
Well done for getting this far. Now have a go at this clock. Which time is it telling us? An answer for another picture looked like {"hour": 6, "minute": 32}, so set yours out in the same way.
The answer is {"hour": 1, "minute": 53}
